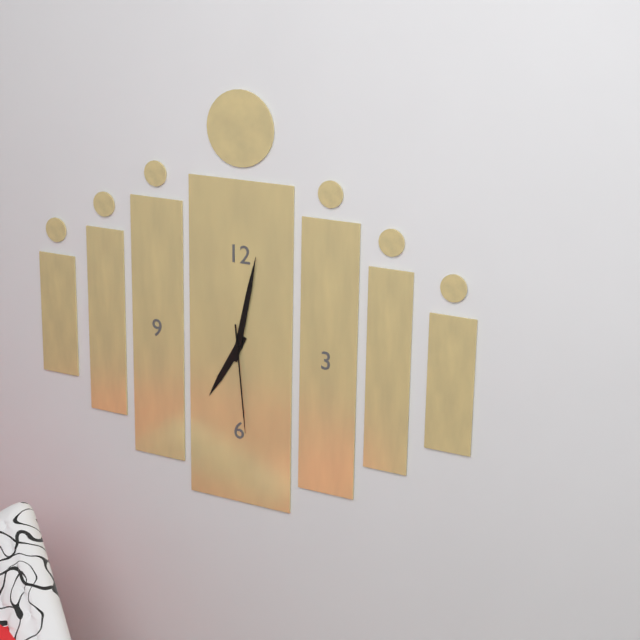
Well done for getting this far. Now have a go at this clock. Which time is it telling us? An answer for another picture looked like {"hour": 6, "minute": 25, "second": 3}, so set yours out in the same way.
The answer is {"hour": 7, "minute": 2, "second": 29}
